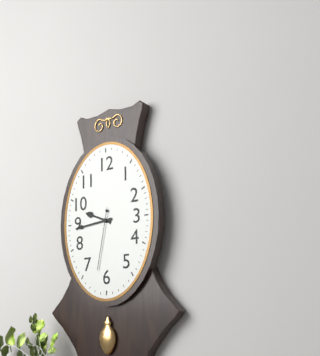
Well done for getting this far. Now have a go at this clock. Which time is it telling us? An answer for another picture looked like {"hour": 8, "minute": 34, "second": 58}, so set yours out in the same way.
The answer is {"hour": 9, "minute": 44, "second": 32}
